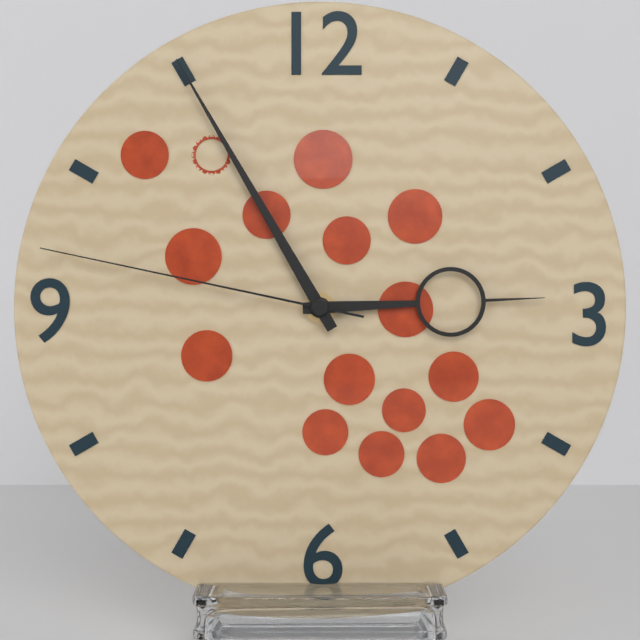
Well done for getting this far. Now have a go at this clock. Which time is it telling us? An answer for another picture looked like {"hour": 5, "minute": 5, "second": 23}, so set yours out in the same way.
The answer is {"hour": 2, "minute": 55, "second": 47}
